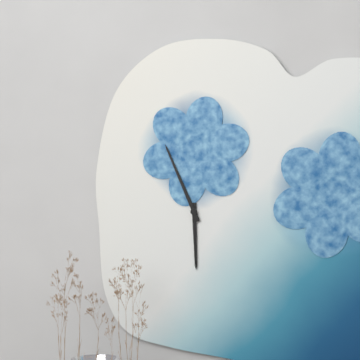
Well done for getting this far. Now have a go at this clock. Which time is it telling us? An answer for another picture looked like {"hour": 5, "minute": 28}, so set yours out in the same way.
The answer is {"hour": 5, "minute": 56}
